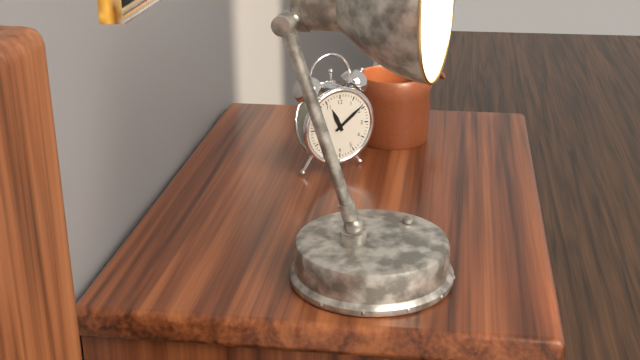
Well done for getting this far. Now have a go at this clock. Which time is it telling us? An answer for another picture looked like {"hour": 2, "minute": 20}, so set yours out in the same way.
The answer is {"hour": 11, "minute": 9}
